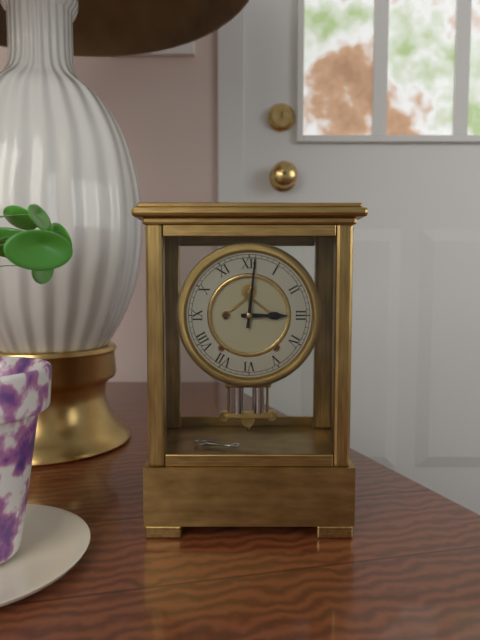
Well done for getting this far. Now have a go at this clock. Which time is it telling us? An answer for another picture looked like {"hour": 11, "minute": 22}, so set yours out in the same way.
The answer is {"hour": 3, "minute": 1}
